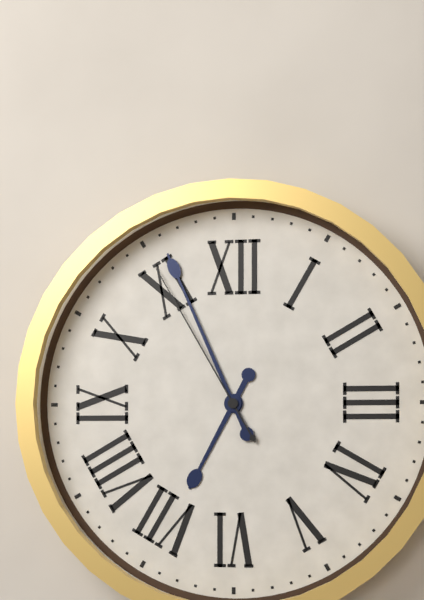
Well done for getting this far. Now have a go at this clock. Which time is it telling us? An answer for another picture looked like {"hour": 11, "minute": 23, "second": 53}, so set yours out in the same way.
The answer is {"hour": 6, "minute": 56, "second": 55}
